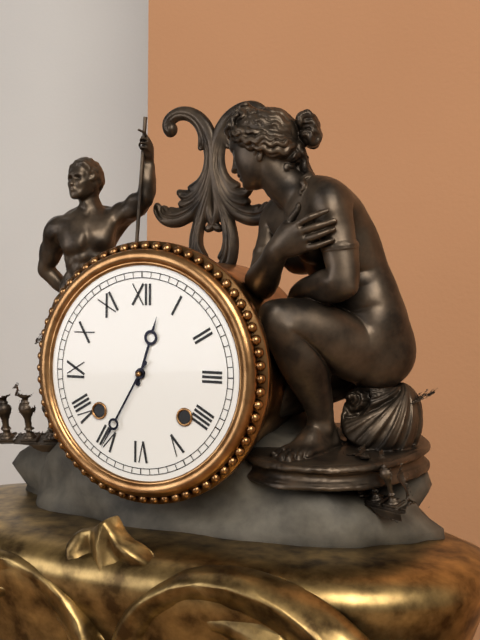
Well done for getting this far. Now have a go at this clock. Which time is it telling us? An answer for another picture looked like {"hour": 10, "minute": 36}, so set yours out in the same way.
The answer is {"hour": 12, "minute": 35}
